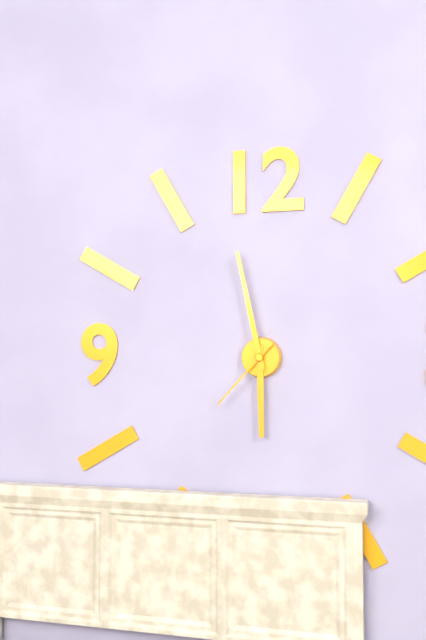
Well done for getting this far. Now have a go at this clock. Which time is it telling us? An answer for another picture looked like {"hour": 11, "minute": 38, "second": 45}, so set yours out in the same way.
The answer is {"hour": 5, "minute": 58, "second": 37}
